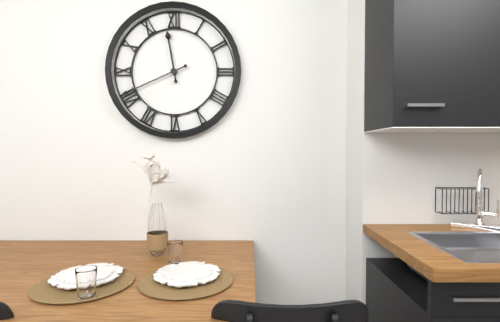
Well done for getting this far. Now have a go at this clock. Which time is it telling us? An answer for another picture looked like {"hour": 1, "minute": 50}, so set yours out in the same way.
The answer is {"hour": 11, "minute": 41}
